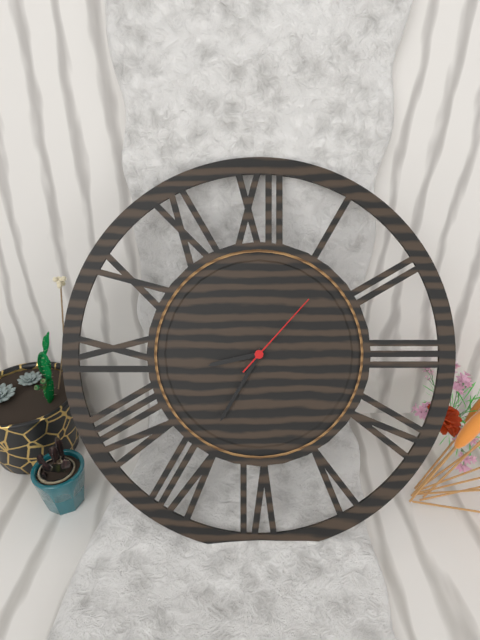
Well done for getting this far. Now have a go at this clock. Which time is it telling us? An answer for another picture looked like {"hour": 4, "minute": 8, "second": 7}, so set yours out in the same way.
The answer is {"hour": 8, "minute": 35, "second": 7}
